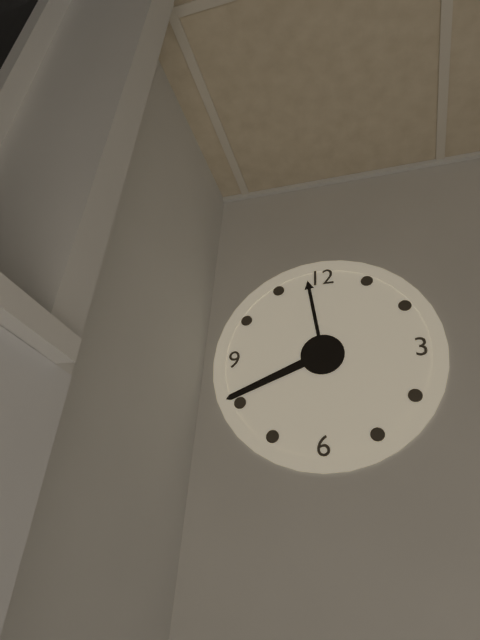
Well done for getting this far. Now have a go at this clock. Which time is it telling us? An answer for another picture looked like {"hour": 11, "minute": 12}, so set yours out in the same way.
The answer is {"hour": 11, "minute": 41}
